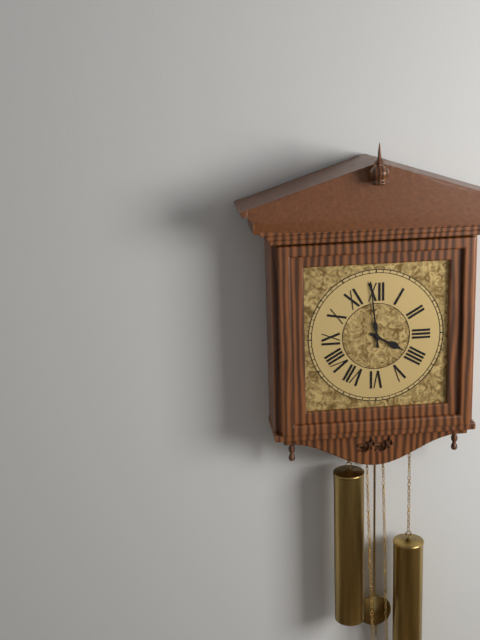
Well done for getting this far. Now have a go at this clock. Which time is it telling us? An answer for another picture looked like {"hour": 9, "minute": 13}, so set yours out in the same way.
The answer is {"hour": 3, "minute": 59}
